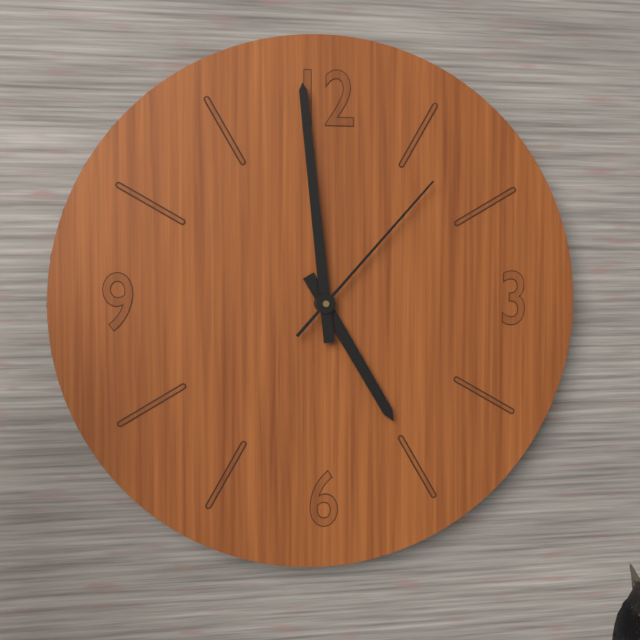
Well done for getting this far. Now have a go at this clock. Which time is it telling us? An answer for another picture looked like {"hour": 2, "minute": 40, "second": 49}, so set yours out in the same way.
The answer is {"hour": 4, "minute": 59, "second": 7}
